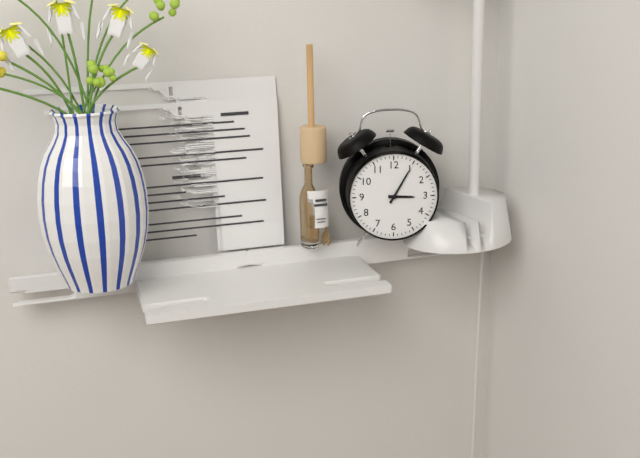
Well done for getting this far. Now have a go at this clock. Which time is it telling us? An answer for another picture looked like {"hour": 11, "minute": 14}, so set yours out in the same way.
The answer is {"hour": 3, "minute": 5}
